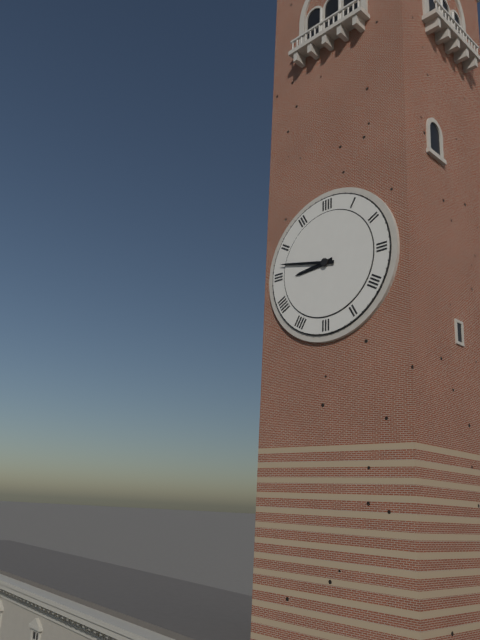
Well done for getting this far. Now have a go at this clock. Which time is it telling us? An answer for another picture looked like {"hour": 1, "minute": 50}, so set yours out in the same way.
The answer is {"hour": 8, "minute": 47}
